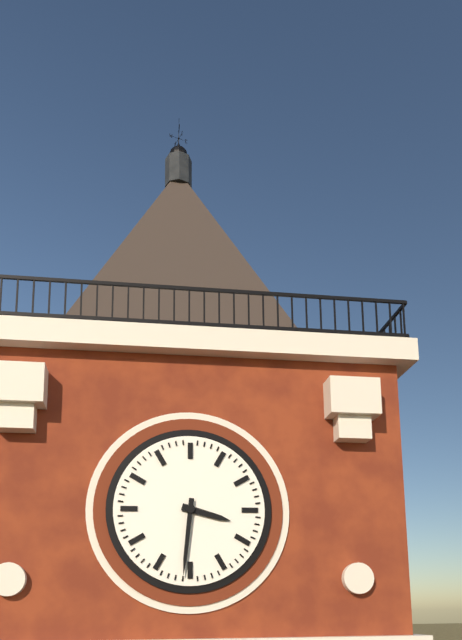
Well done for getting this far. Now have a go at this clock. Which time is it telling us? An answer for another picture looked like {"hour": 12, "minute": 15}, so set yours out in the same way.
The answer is {"hour": 3, "minute": 31}
